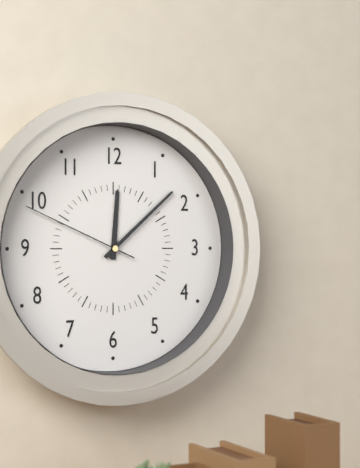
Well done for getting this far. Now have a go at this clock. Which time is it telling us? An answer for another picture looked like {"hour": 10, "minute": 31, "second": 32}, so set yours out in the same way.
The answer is {"hour": 12, "minute": 8, "second": 49}
